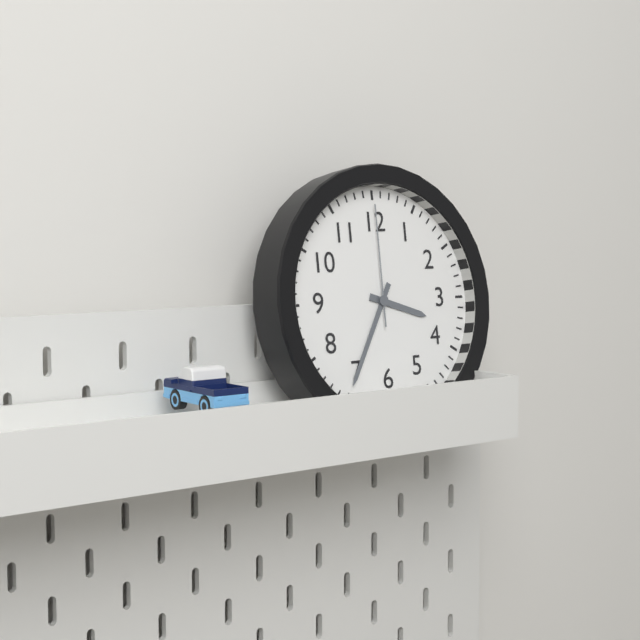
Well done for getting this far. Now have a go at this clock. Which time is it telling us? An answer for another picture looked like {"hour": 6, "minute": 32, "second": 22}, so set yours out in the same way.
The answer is {"hour": 3, "minute": 35, "second": 0}
